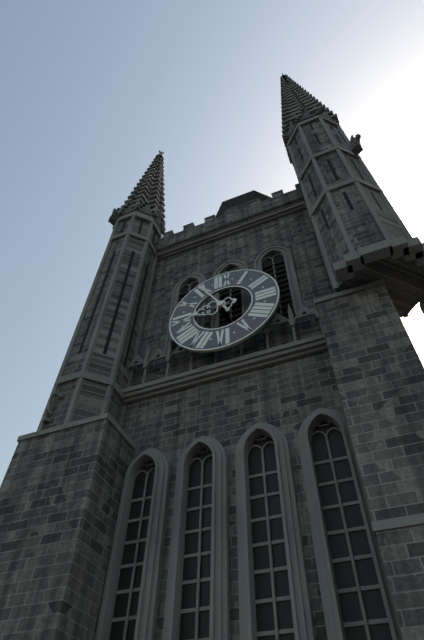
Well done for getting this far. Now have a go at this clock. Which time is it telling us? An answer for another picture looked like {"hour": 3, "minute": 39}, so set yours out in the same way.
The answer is {"hour": 8, "minute": 55}
